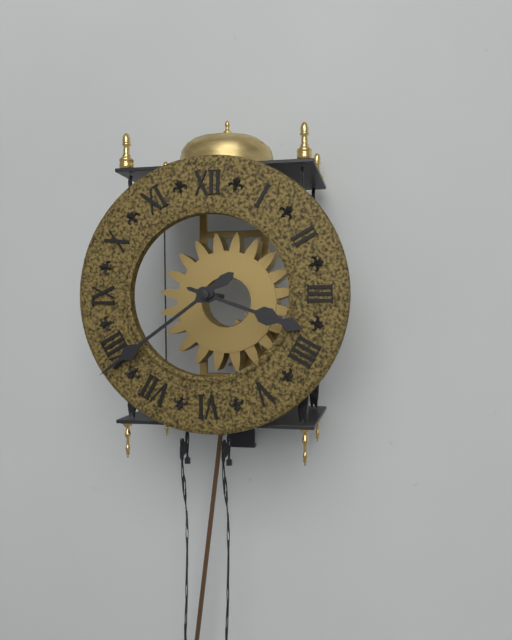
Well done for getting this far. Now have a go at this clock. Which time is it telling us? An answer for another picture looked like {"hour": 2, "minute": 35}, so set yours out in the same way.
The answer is {"hour": 3, "minute": 39}
